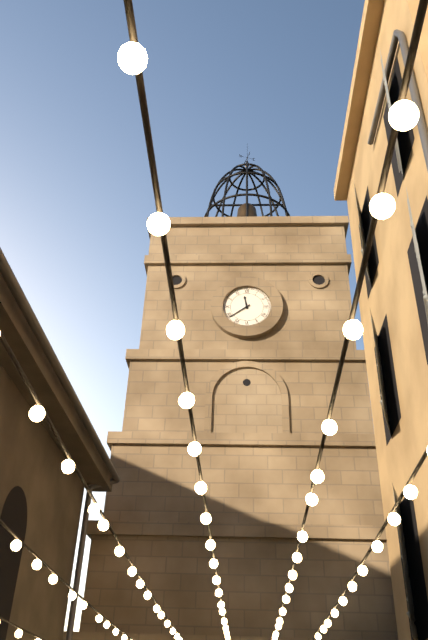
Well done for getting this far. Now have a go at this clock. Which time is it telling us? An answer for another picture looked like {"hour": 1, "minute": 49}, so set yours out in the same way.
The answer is {"hour": 11, "minute": 39}
